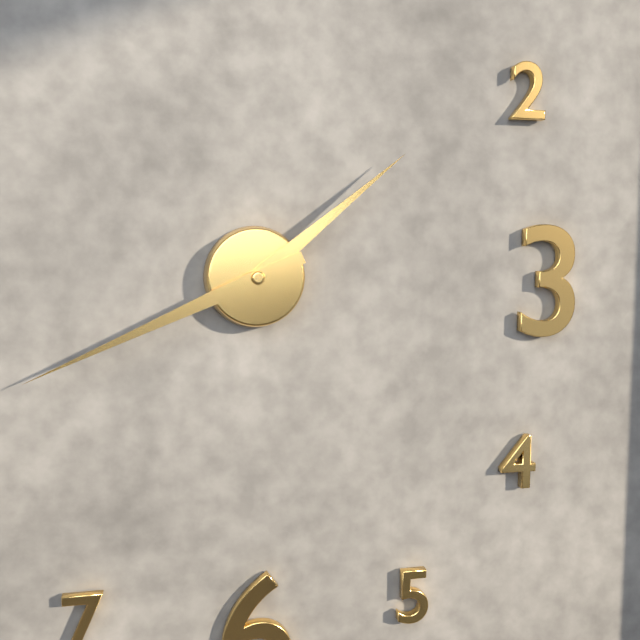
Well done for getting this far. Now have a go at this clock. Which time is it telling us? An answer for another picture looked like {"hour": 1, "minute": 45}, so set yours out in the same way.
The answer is {"hour": 1, "minute": 41}
